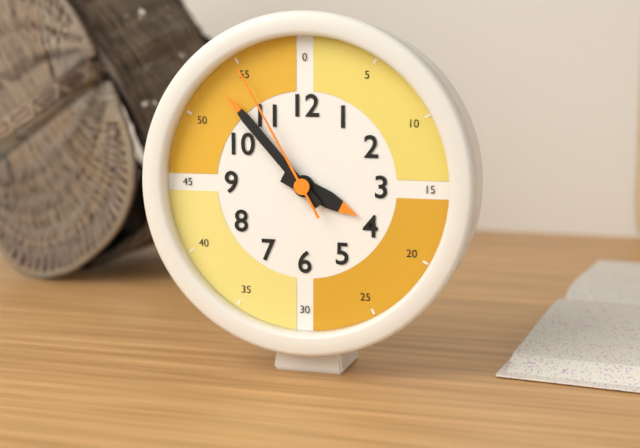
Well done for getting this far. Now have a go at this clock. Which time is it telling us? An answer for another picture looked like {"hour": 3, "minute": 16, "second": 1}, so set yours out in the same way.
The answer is {"hour": 3, "minute": 53, "second": 55}
